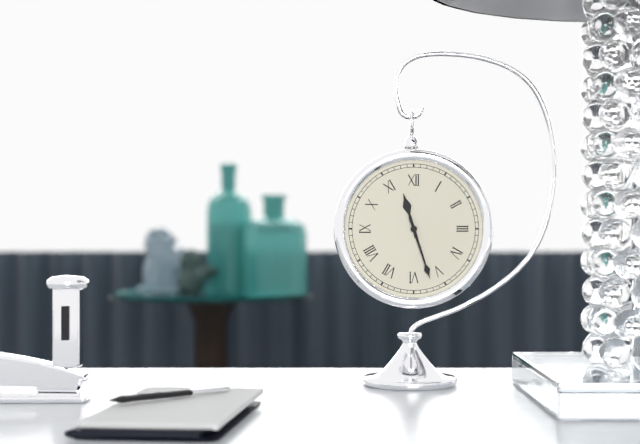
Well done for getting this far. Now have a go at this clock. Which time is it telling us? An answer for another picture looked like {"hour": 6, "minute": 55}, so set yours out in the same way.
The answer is {"hour": 11, "minute": 27}
